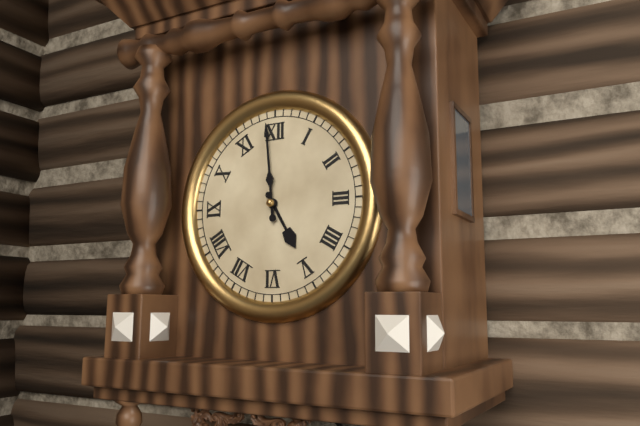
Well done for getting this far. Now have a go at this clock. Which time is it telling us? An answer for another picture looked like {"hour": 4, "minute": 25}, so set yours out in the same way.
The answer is {"hour": 4, "minute": 59}
